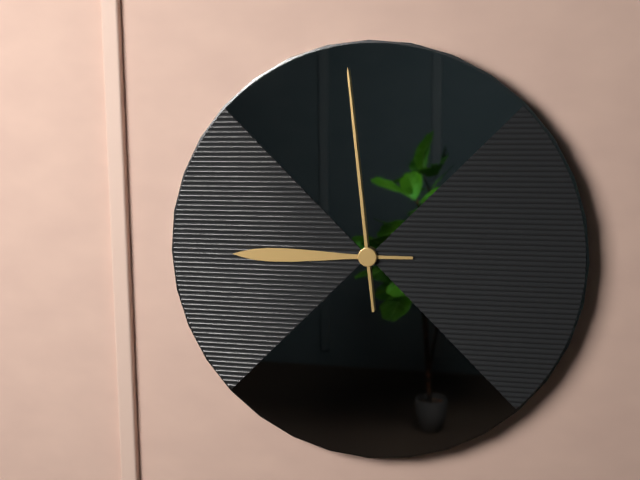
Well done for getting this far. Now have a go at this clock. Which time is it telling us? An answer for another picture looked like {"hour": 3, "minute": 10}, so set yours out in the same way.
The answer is {"hour": 8, "minute": 59}
